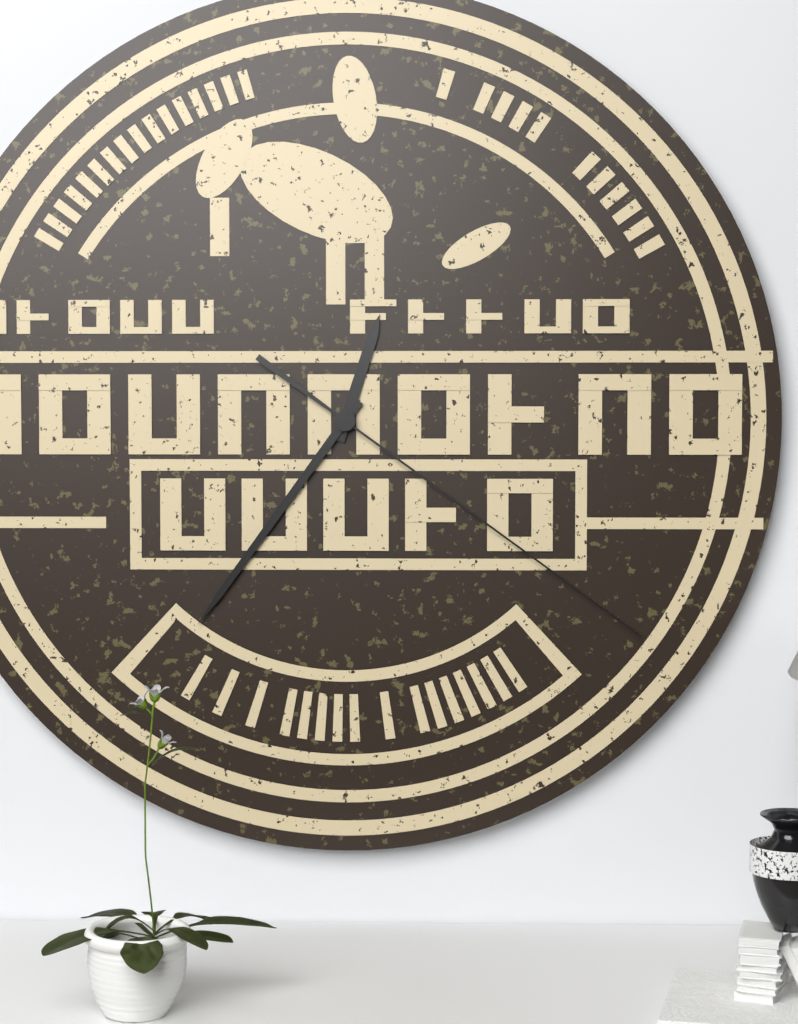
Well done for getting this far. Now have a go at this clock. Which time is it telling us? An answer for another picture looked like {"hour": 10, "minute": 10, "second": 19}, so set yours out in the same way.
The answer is {"hour": 12, "minute": 36, "second": 21}
